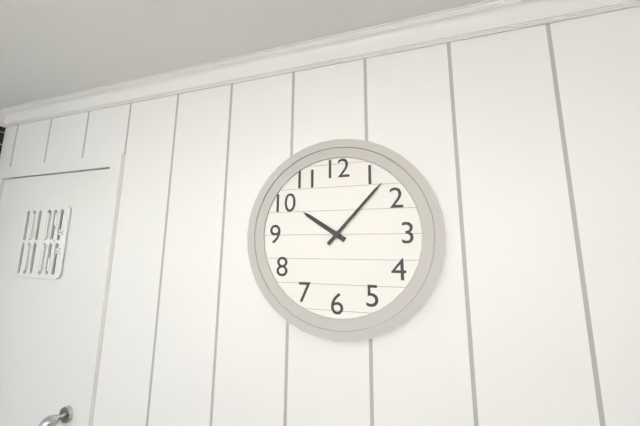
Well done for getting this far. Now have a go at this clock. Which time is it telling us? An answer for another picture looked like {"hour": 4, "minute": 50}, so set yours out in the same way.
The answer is {"hour": 10, "minute": 7}
